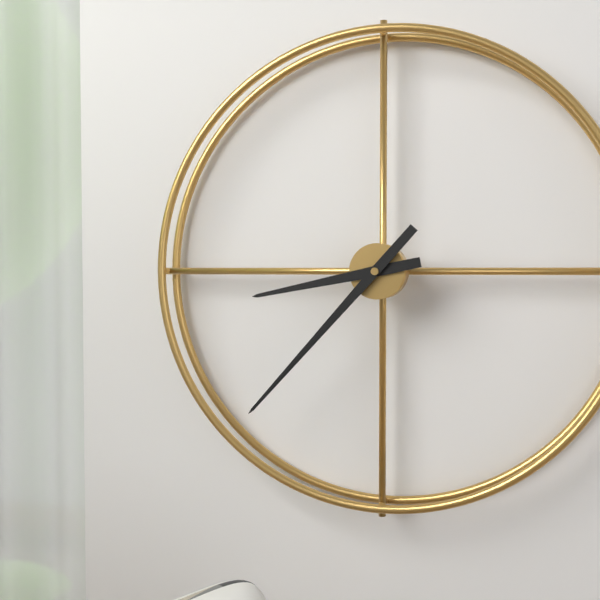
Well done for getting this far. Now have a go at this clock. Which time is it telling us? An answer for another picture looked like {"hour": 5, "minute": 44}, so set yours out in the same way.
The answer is {"hour": 8, "minute": 37}
